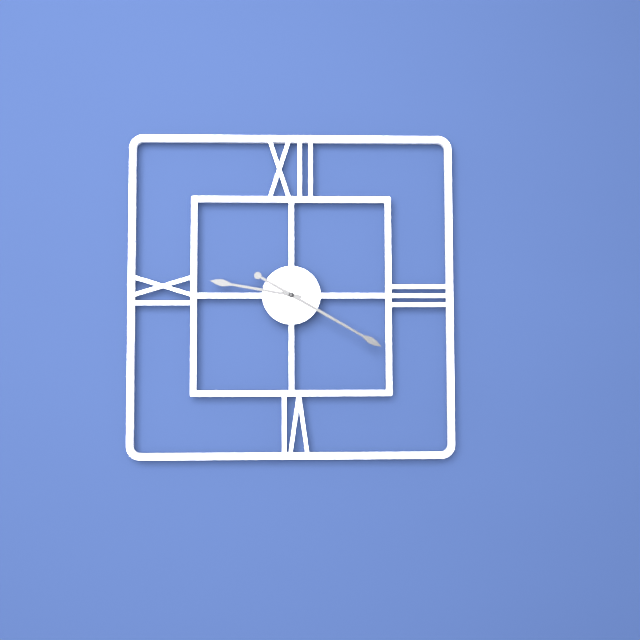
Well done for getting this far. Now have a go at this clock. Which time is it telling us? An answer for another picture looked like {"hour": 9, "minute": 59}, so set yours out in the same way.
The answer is {"hour": 9, "minute": 20}
